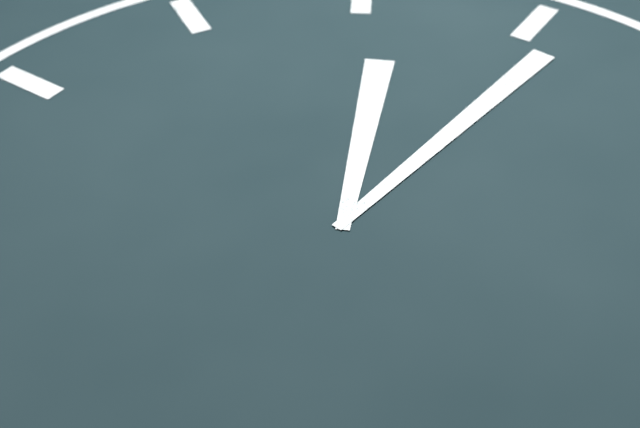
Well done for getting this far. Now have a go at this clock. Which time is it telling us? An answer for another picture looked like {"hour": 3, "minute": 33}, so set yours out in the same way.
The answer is {"hour": 1, "minute": 11}
